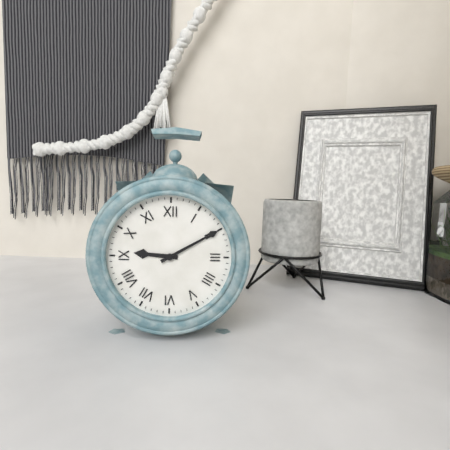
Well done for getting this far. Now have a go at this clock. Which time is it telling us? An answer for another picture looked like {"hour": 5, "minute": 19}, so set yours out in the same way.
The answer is {"hour": 9, "minute": 10}
